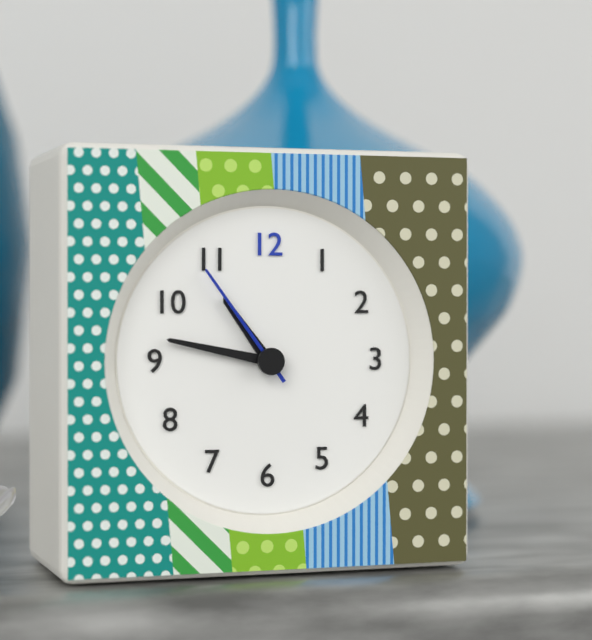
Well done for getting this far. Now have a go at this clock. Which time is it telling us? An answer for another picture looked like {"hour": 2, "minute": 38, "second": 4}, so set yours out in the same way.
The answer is {"hour": 10, "minute": 47, "second": 54}
